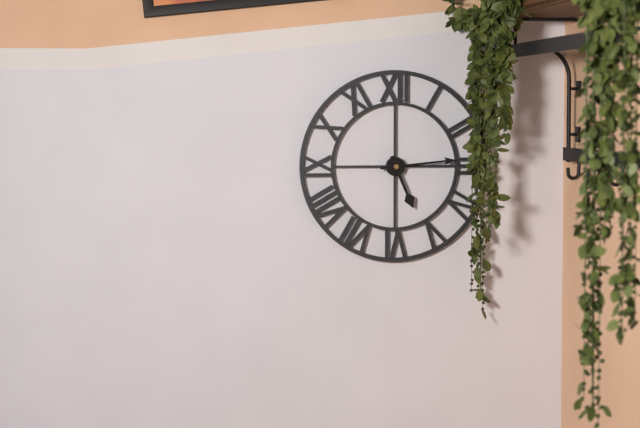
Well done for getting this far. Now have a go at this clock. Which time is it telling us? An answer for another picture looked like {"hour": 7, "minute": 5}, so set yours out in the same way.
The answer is {"hour": 5, "minute": 14}
